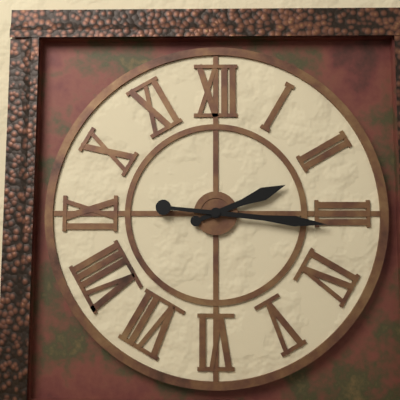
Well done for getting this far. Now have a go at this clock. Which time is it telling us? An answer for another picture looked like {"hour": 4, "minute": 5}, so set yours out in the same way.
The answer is {"hour": 2, "minute": 16}
